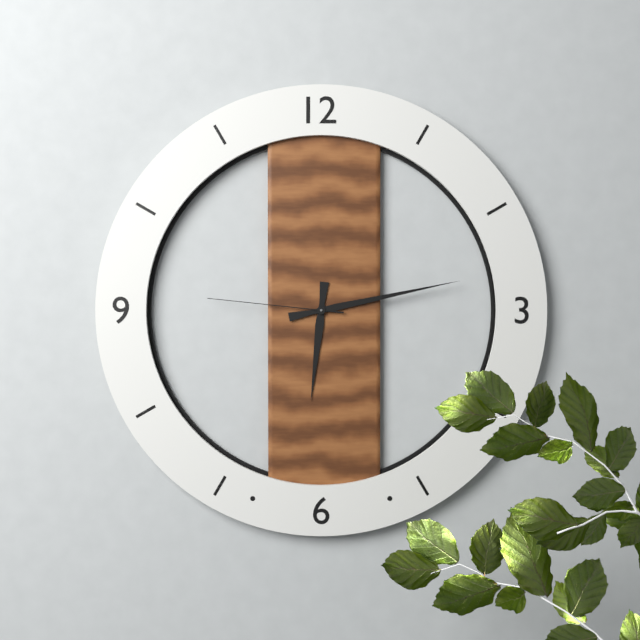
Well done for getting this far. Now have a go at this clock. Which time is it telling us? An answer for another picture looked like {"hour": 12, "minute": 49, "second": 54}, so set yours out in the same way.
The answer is {"hour": 6, "minute": 13, "second": 46}
